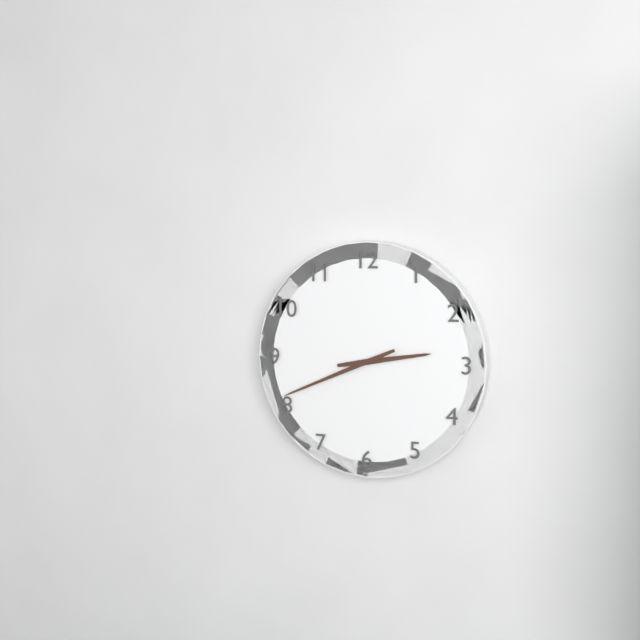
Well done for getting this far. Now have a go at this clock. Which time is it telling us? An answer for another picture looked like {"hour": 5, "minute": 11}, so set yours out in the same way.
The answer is {"hour": 2, "minute": 41}
